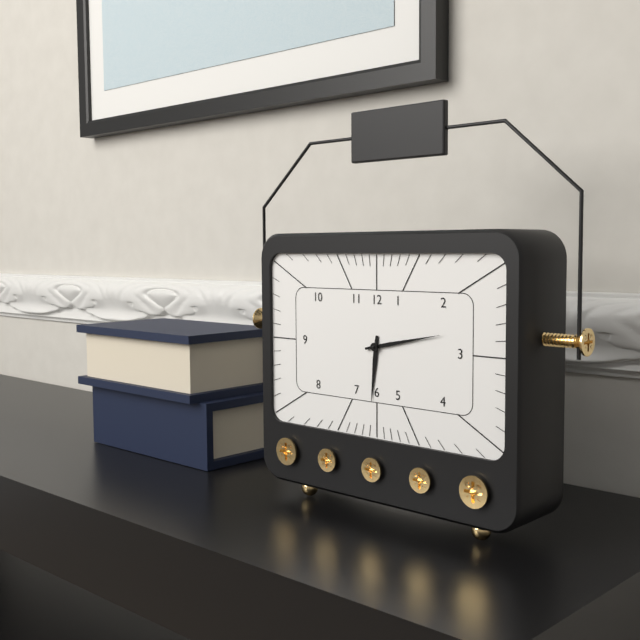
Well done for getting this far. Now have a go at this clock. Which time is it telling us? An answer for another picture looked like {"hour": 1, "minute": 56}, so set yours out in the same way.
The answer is {"hour": 6, "minute": 13}
